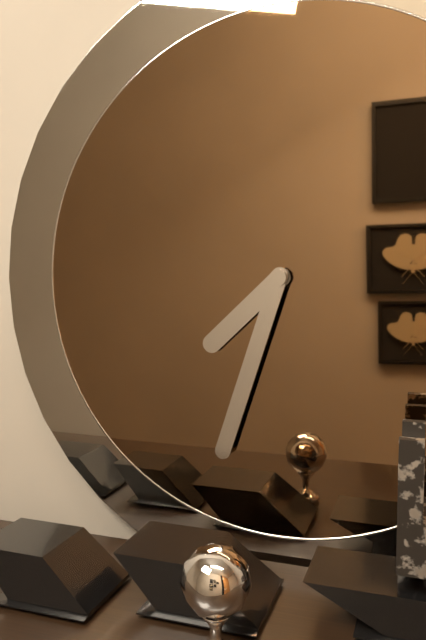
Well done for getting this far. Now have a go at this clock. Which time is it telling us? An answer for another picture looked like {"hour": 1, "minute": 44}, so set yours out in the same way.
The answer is {"hour": 7, "minute": 33}
